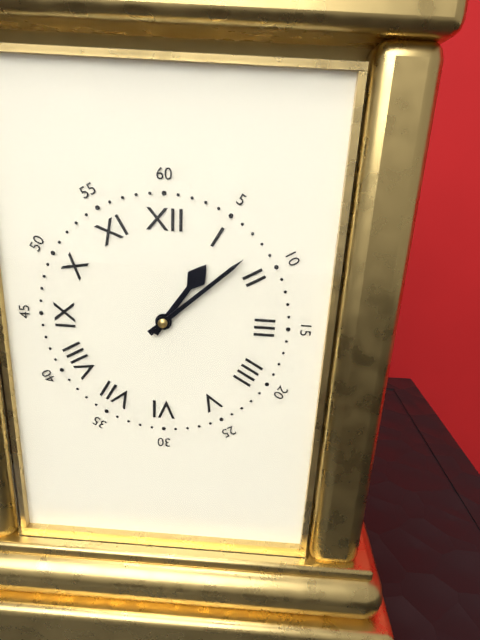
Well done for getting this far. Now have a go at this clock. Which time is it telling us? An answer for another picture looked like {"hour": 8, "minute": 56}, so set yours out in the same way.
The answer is {"hour": 1, "minute": 8}
